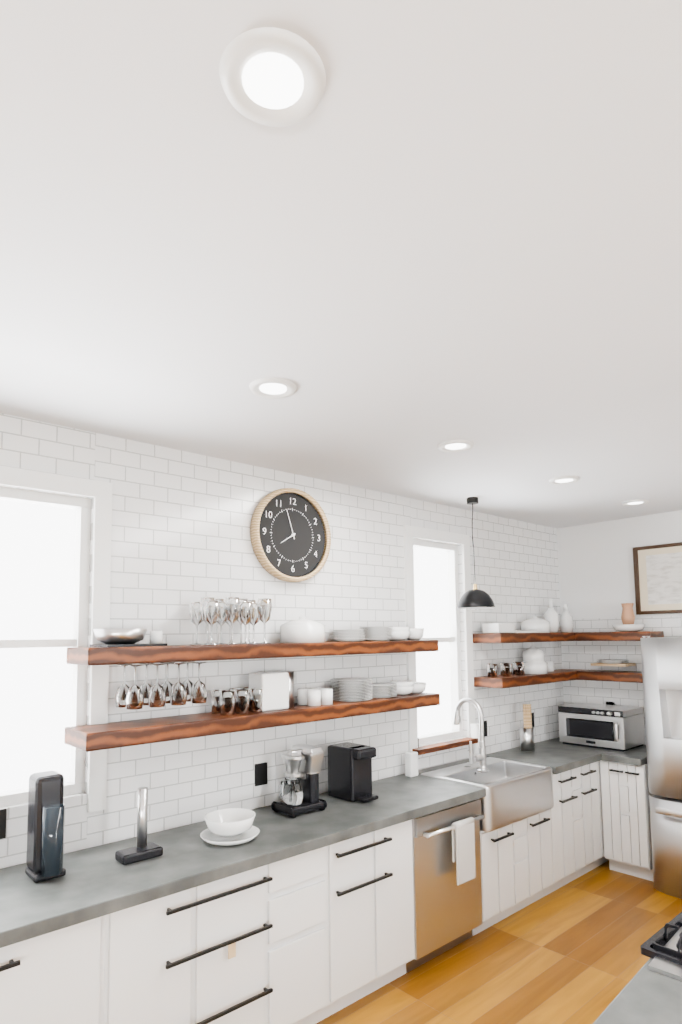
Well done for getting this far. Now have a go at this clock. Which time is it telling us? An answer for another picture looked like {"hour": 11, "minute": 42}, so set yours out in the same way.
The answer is {"hour": 7, "minute": 57}
